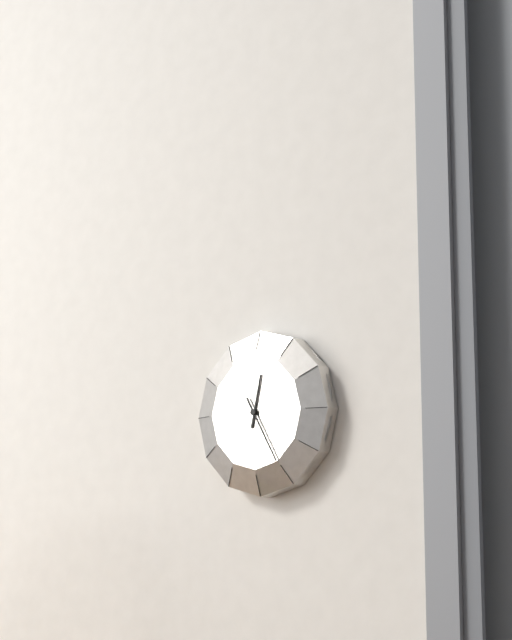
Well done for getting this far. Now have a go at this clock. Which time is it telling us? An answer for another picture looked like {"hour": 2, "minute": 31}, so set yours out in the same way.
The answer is {"hour": 12, "minute": 25}
